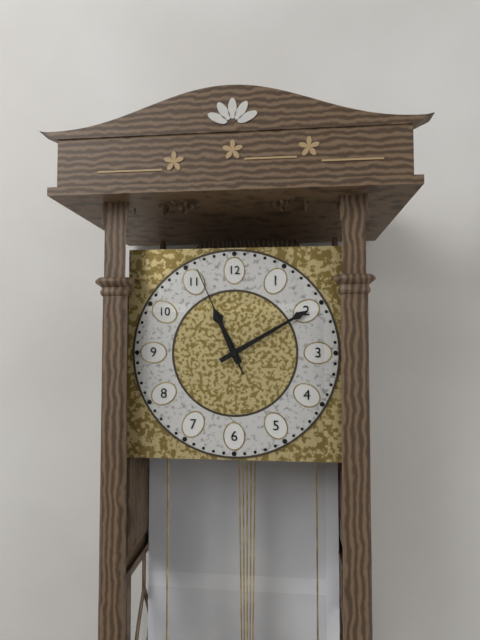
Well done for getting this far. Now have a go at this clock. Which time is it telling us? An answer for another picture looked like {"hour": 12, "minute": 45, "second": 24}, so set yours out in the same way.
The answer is {"hour": 11, "minute": 10, "second": 56}
